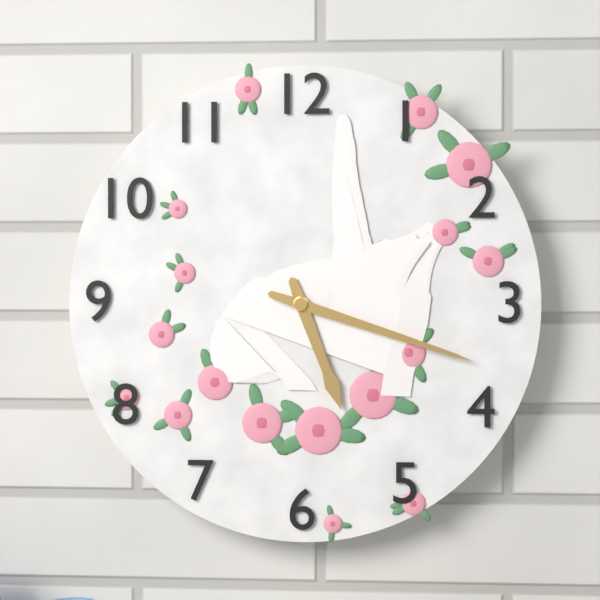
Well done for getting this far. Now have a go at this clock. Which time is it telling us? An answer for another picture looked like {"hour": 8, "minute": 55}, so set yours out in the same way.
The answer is {"hour": 5, "minute": 18}
